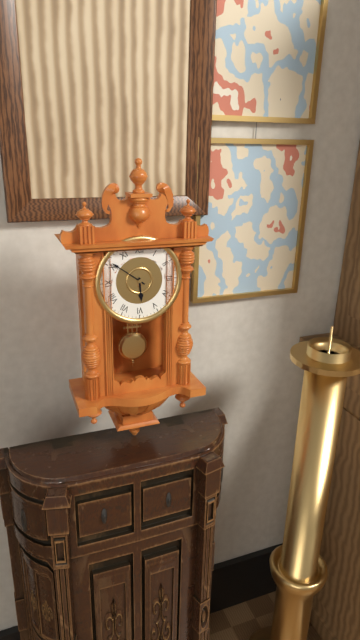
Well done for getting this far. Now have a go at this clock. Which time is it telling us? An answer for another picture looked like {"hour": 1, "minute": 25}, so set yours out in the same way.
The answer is {"hour": 5, "minute": 51}
